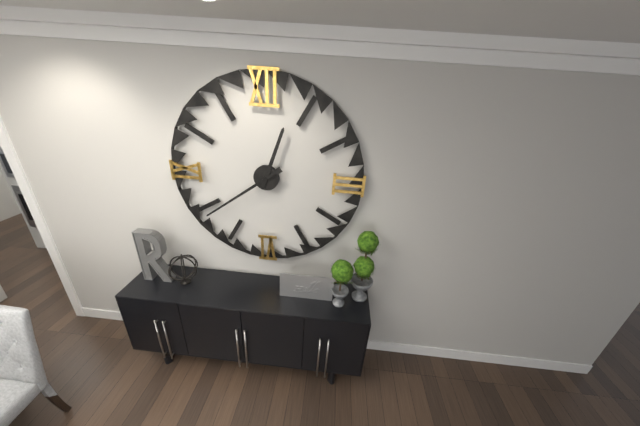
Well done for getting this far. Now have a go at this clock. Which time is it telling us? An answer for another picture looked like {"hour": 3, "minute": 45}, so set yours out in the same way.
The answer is {"hour": 12, "minute": 39}
